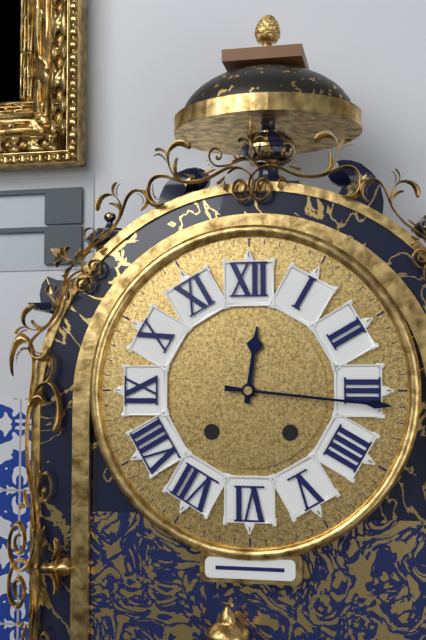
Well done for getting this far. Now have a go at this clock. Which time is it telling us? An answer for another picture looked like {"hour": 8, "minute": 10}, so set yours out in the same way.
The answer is {"hour": 12, "minute": 16}
